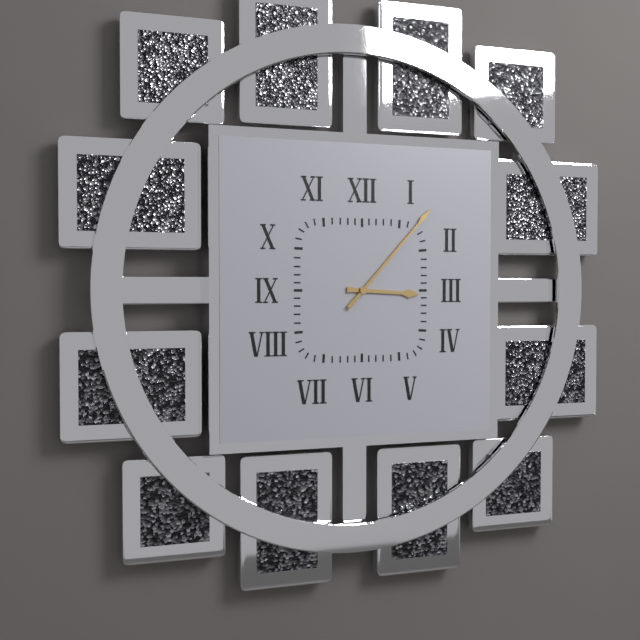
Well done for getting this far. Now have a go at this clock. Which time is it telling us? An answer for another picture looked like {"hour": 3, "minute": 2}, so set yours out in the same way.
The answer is {"hour": 3, "minute": 7}
